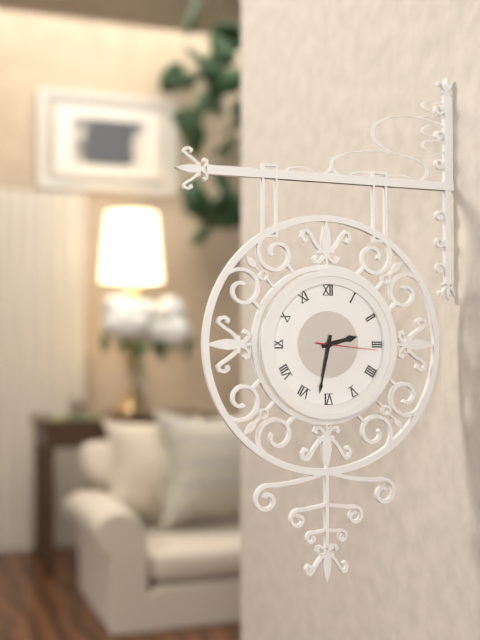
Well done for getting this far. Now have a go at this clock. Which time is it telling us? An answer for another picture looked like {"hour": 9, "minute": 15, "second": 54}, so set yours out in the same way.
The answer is {"hour": 2, "minute": 32, "second": 16}
